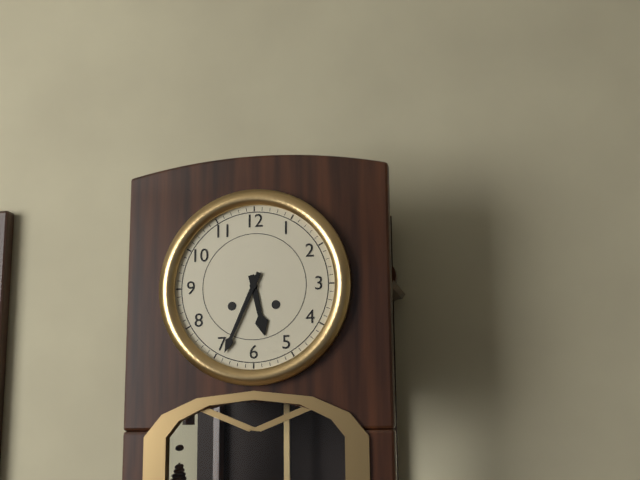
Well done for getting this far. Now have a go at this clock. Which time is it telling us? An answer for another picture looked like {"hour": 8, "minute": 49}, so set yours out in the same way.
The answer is {"hour": 5, "minute": 34}
